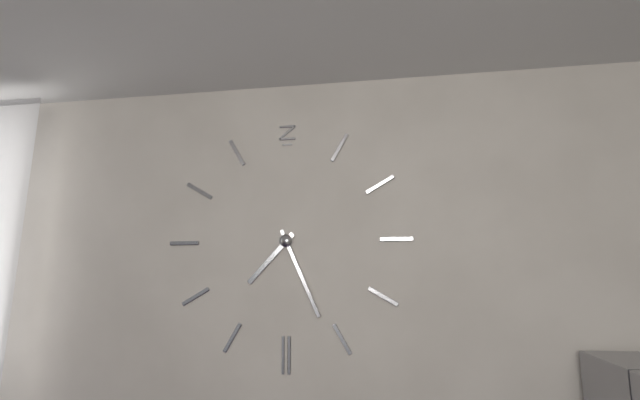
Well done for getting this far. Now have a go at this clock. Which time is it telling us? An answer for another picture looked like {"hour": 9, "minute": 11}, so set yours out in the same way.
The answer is {"hour": 7, "minute": 26}
